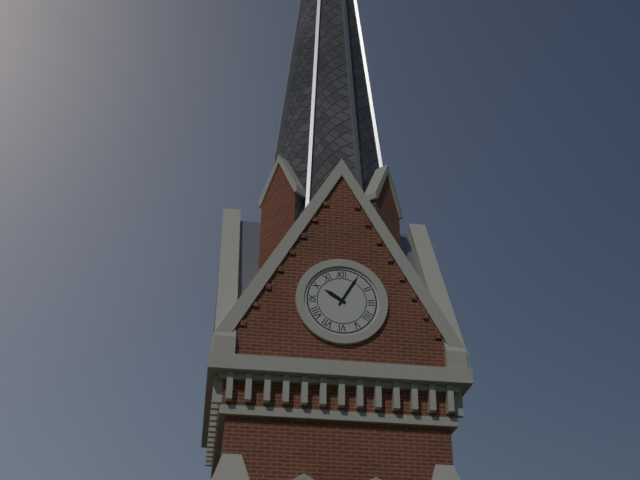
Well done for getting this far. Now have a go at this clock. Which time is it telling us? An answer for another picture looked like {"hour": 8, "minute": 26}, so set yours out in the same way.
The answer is {"hour": 10, "minute": 5}
